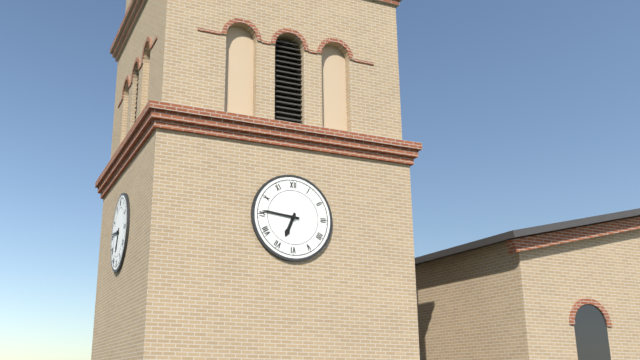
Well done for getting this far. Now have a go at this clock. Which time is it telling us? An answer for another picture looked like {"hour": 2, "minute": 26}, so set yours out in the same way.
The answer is {"hour": 6, "minute": 46}
